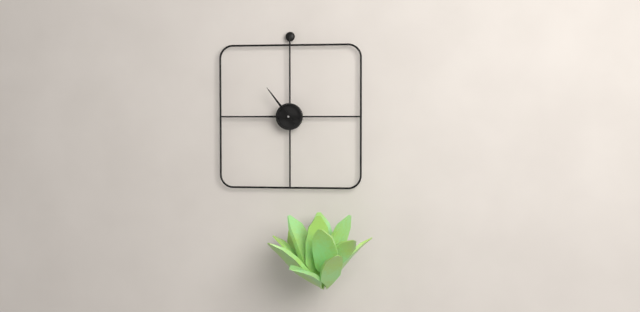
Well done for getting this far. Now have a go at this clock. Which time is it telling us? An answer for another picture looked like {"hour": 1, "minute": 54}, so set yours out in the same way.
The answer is {"hour": 10, "minute": 45}
